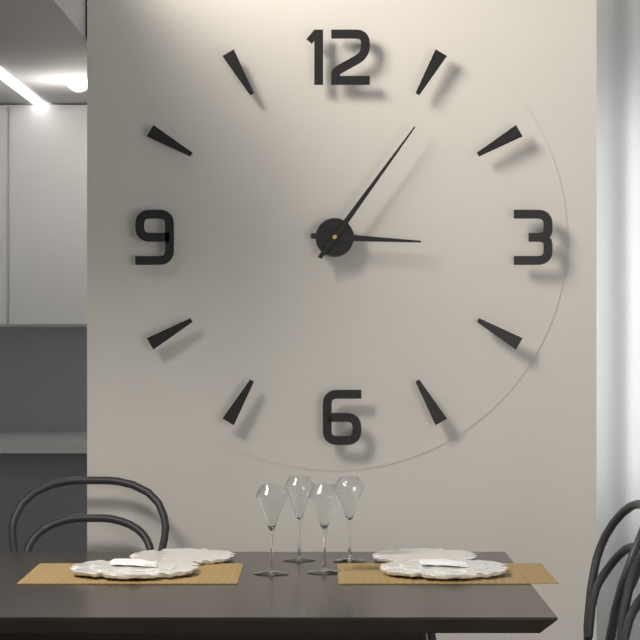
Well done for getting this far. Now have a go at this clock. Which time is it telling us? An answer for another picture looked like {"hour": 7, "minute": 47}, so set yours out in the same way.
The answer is {"hour": 3, "minute": 6}
